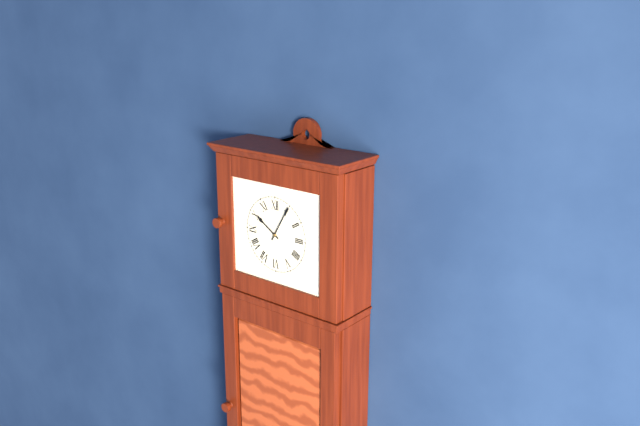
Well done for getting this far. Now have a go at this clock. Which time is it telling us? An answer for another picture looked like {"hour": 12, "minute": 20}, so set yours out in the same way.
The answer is {"hour": 10, "minute": 5}
